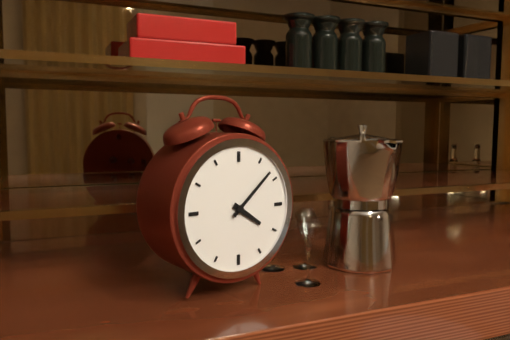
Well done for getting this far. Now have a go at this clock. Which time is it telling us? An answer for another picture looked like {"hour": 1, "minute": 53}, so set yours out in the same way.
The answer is {"hour": 4, "minute": 8}
